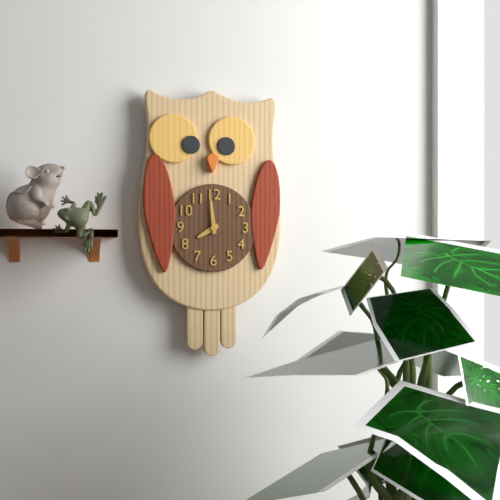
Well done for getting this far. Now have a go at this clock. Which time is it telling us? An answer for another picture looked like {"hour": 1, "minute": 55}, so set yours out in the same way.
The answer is {"hour": 7, "minute": 59}
